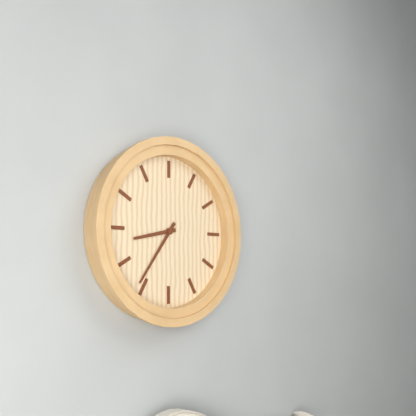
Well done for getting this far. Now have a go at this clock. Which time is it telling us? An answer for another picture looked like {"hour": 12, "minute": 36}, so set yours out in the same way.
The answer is {"hour": 8, "minute": 36}
